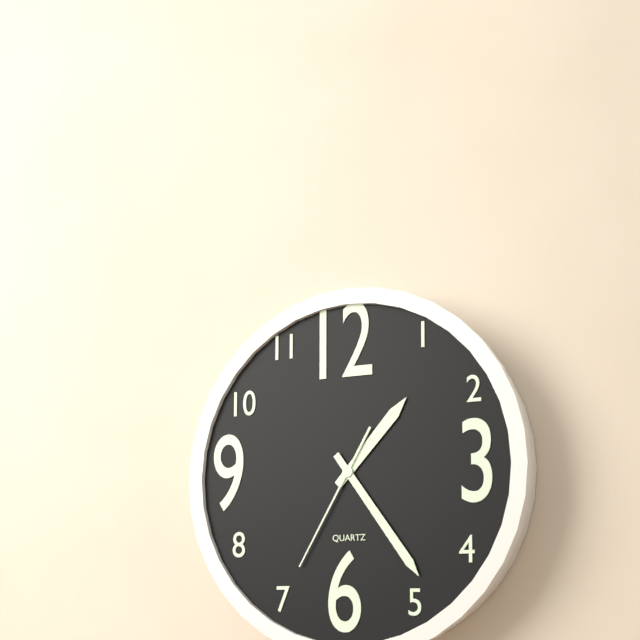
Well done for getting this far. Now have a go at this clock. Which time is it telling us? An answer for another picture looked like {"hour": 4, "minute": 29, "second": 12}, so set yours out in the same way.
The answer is {"hour": 1, "minute": 24, "second": 35}
